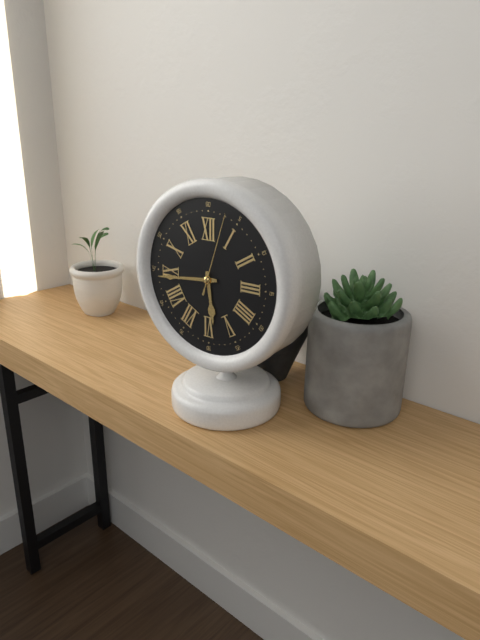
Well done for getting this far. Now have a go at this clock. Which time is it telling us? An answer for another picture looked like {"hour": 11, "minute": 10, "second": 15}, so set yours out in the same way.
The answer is {"hour": 5, "minute": 44, "second": 3}
